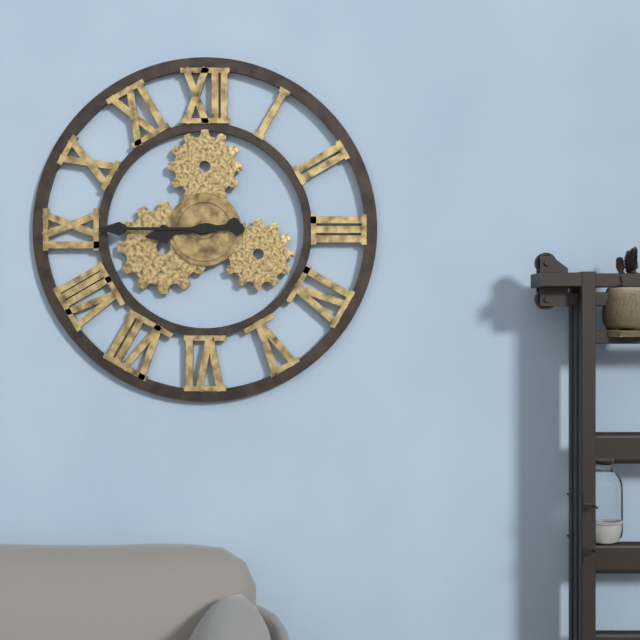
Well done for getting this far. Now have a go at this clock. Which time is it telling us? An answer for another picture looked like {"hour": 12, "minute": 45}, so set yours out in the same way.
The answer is {"hour": 8, "minute": 45}
